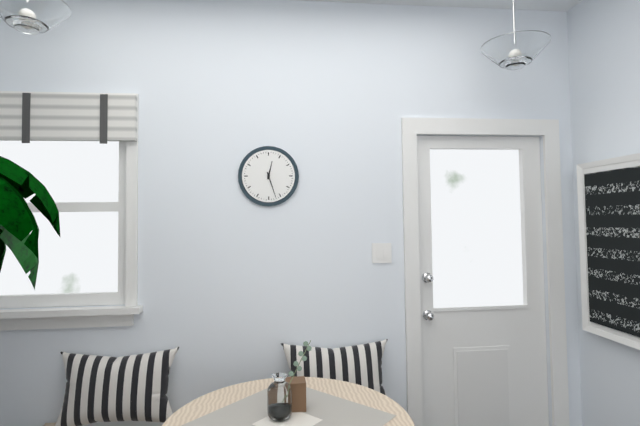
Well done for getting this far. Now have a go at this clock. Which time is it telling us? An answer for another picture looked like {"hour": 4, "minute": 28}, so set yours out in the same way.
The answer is {"hour": 12, "minute": 27}
